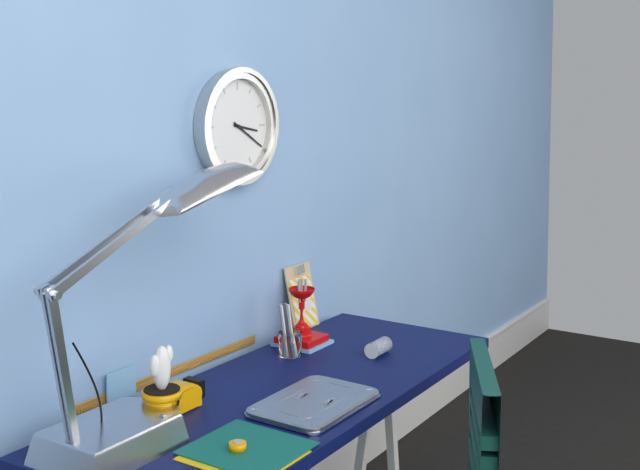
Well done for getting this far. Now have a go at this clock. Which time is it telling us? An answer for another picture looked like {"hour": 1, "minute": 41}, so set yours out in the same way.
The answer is {"hour": 3, "minute": 20}
